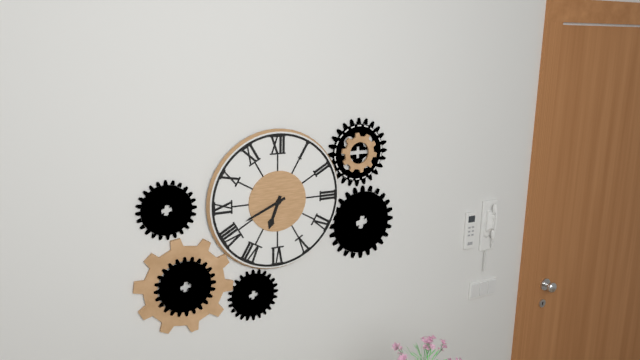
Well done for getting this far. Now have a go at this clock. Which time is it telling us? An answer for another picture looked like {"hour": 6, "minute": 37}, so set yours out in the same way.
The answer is {"hour": 6, "minute": 41}
